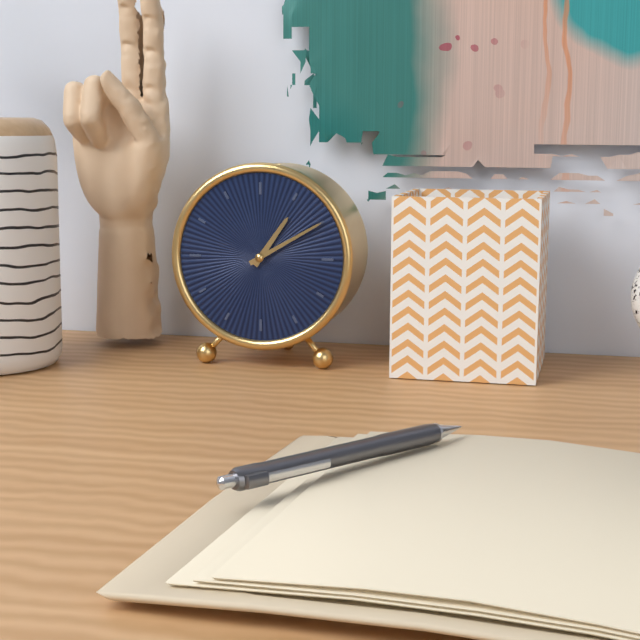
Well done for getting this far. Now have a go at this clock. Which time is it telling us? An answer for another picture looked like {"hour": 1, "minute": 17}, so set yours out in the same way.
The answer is {"hour": 1, "minute": 10}
